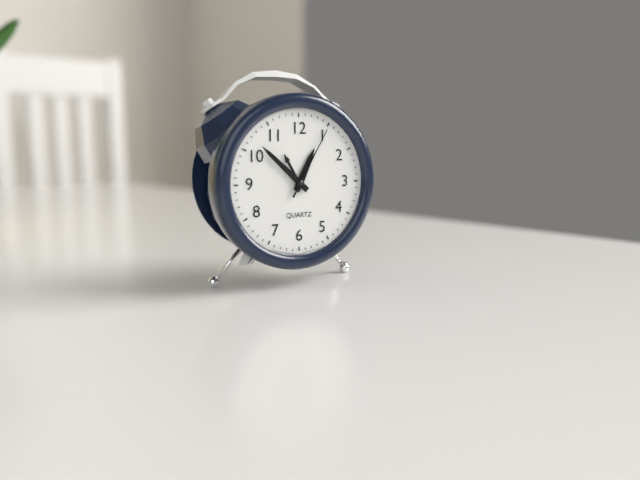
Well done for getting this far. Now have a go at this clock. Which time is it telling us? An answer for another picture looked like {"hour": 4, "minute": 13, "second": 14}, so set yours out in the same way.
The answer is {"hour": 12, "minute": 52, "second": 5}
